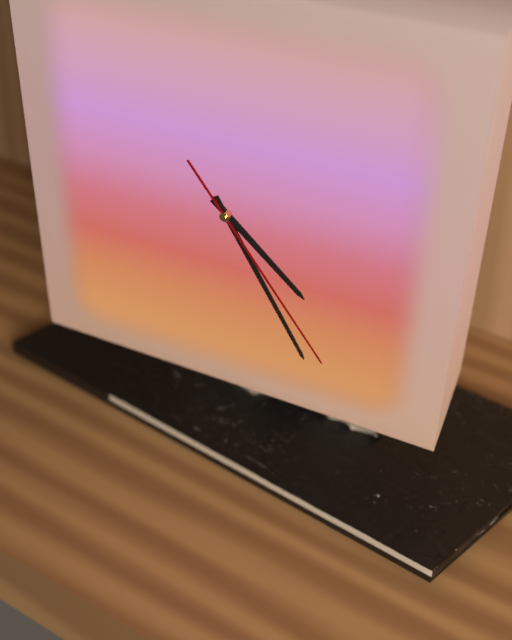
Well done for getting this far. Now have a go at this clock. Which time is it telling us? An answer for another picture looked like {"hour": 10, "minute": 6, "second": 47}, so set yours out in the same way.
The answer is {"hour": 4, "minute": 25, "second": 24}
